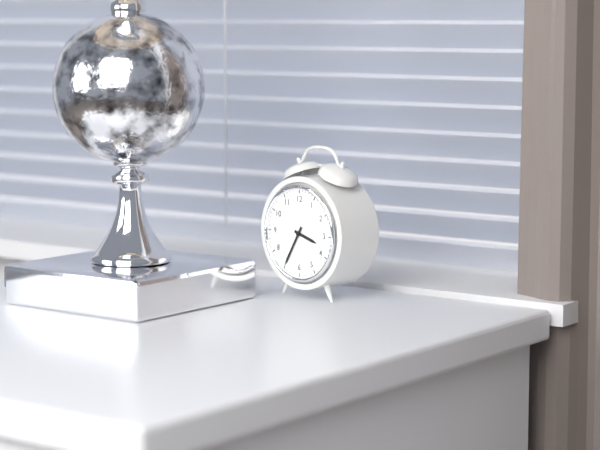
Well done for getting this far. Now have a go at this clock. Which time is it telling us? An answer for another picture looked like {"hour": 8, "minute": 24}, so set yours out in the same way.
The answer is {"hour": 3, "minute": 35}
